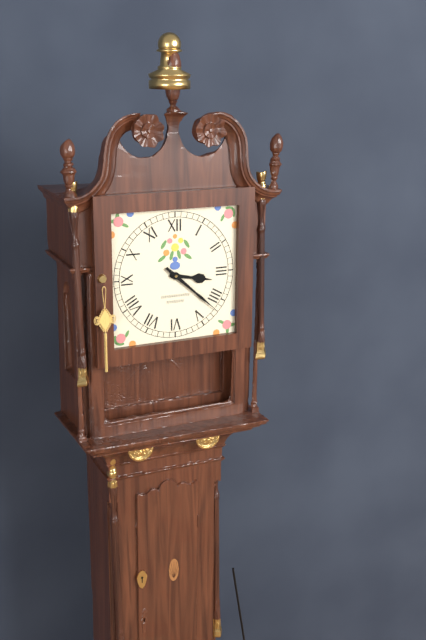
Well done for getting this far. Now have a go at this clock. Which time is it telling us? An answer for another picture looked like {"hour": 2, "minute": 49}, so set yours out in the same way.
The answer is {"hour": 3, "minute": 22}
